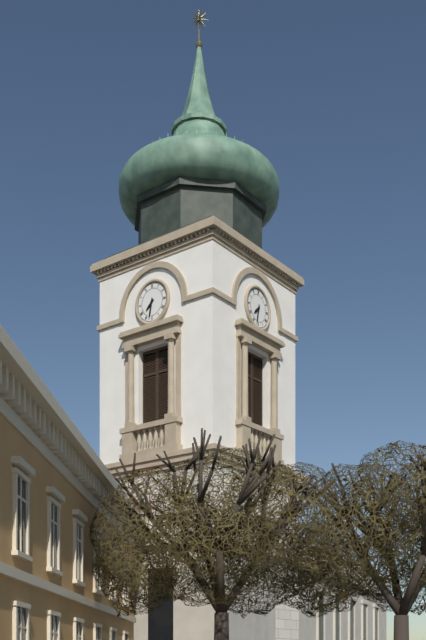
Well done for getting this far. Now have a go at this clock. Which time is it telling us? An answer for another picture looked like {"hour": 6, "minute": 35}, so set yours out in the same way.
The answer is {"hour": 7, "minute": 32}
